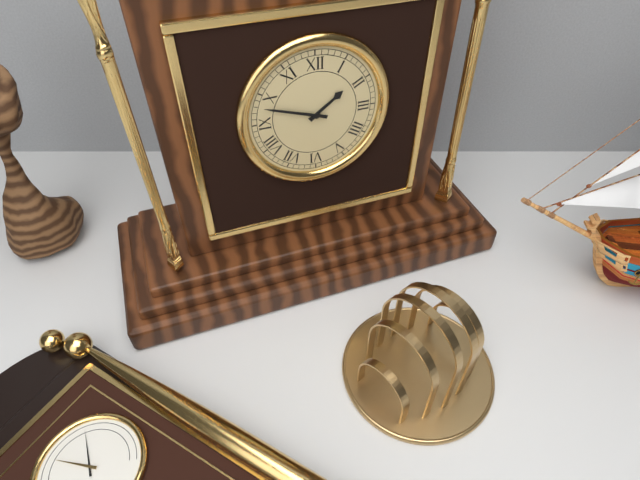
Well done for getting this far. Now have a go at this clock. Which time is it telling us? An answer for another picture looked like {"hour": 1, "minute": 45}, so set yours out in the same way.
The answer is {"hour": 1, "minute": 48}
